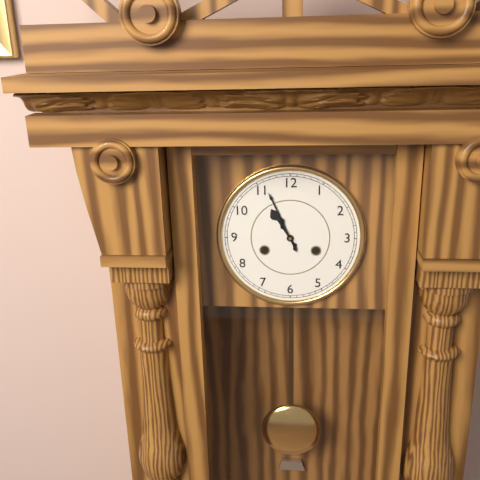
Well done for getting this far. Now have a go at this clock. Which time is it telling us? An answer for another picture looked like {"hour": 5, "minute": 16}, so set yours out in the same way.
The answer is {"hour": 10, "minute": 56}
